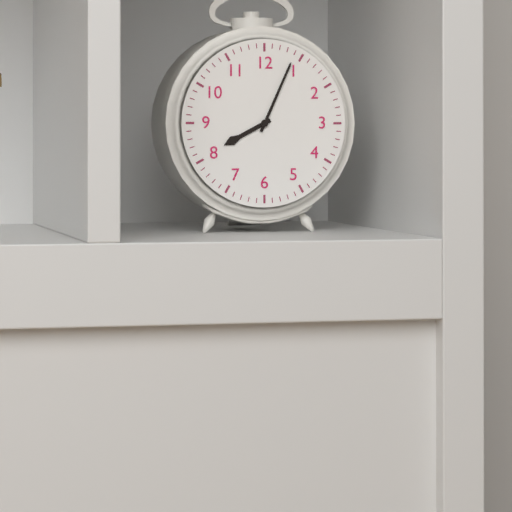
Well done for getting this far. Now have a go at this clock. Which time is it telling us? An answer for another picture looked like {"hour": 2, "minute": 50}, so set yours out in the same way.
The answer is {"hour": 8, "minute": 4}
